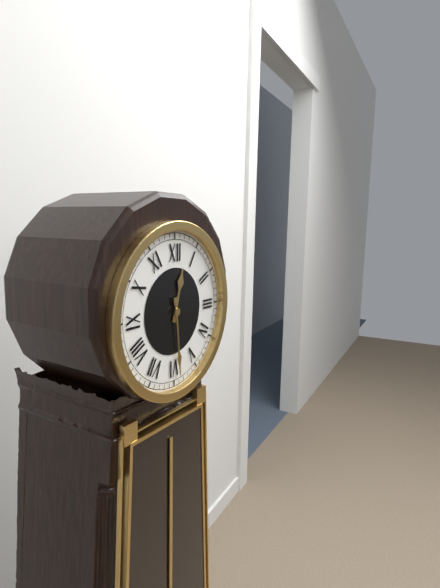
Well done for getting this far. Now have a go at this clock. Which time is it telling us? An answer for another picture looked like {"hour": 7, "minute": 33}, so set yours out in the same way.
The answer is {"hour": 12, "minute": 29}
